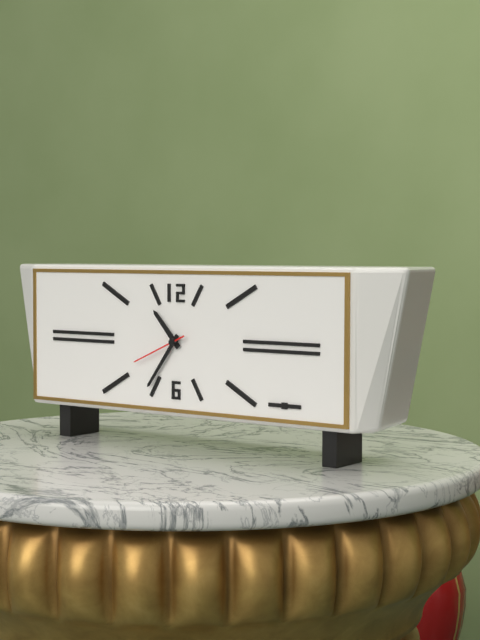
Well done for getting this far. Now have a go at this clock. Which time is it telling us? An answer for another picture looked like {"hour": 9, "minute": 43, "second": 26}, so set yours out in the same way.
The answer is {"hour": 10, "minute": 36, "second": 41}
